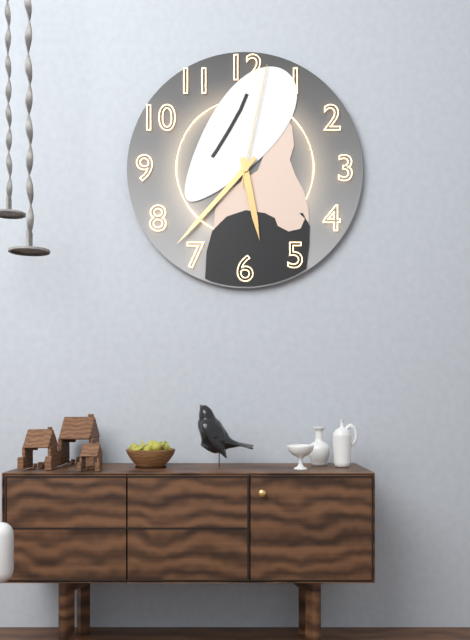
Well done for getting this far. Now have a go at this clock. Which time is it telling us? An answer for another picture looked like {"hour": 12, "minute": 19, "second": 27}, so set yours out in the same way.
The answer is {"hour": 5, "minute": 37, "second": 2}
